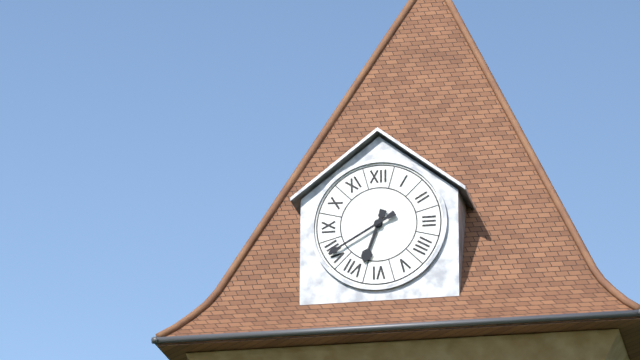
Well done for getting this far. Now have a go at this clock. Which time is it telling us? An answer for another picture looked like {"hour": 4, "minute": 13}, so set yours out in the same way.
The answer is {"hour": 6, "minute": 40}
